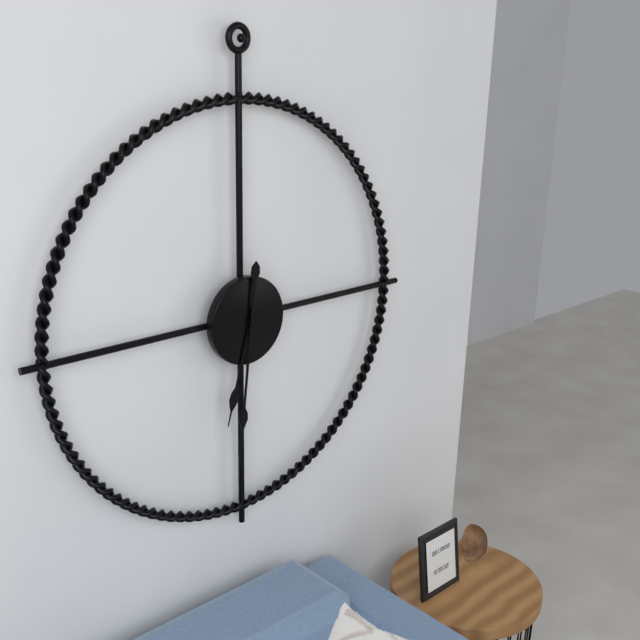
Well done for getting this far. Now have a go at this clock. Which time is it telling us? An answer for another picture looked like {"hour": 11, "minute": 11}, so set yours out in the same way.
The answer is {"hour": 6, "minute": 31}
